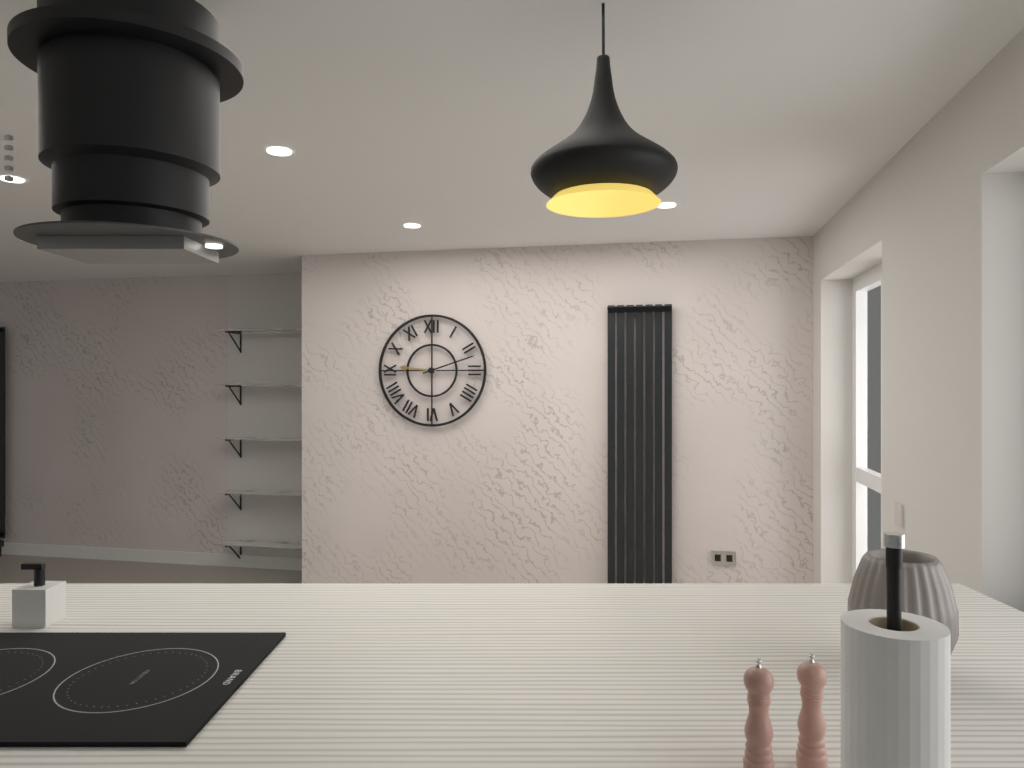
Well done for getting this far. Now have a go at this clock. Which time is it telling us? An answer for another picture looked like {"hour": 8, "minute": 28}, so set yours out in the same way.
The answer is {"hour": 9, "minute": 12}
